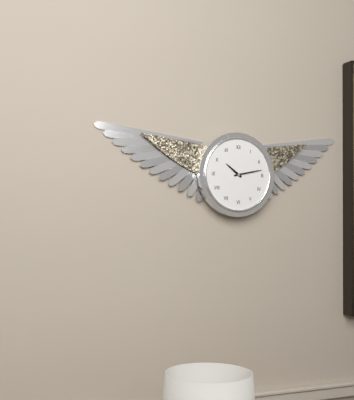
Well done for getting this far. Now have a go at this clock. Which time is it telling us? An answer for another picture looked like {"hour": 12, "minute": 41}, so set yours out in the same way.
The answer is {"hour": 10, "minute": 13}
